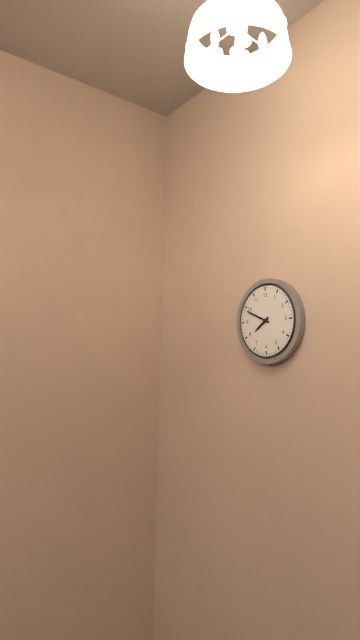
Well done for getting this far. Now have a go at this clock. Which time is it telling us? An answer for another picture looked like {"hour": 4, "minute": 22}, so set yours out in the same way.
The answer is {"hour": 7, "minute": 49}
